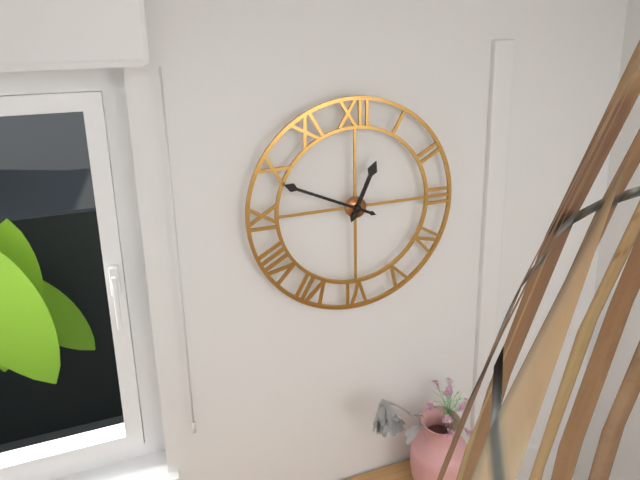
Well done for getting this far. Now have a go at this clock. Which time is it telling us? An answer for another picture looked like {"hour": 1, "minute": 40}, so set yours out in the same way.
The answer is {"hour": 12, "minute": 49}
